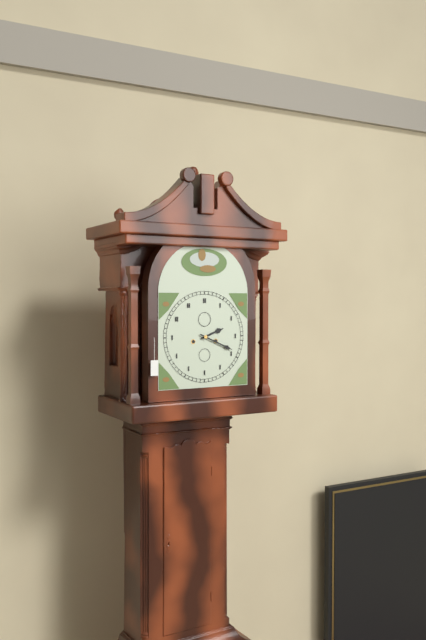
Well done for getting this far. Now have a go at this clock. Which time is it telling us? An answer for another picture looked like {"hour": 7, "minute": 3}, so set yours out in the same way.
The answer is {"hour": 2, "minute": 19}
